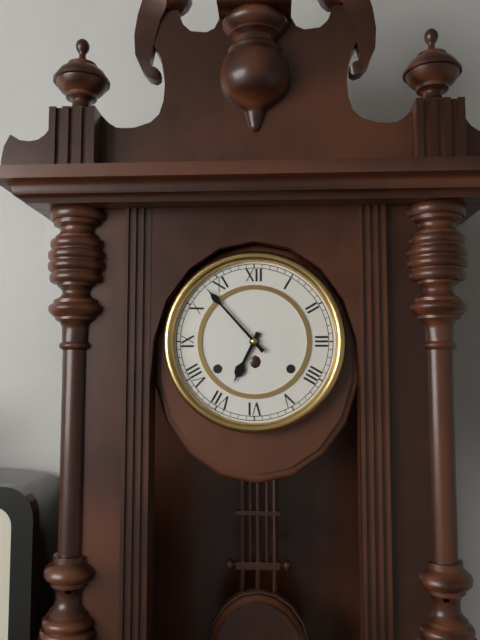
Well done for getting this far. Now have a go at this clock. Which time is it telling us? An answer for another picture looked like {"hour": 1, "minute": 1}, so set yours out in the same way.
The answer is {"hour": 6, "minute": 53}
